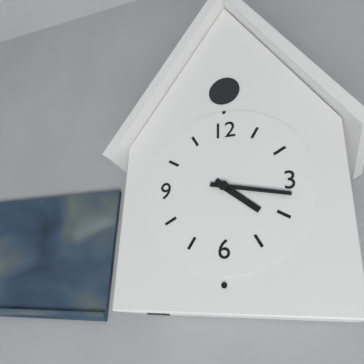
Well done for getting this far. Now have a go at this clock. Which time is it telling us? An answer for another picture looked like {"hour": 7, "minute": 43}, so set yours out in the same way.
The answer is {"hour": 4, "minute": 17}
